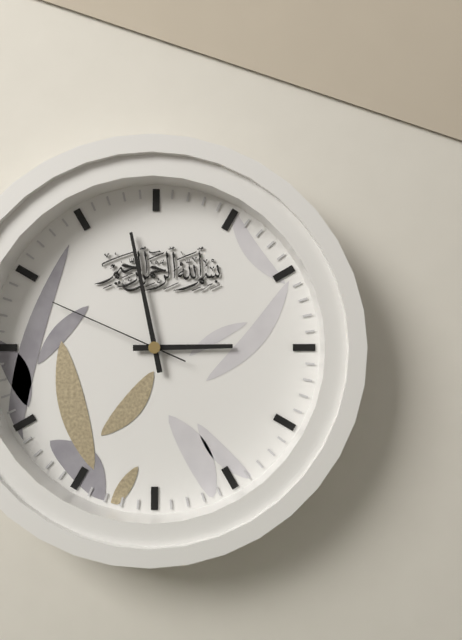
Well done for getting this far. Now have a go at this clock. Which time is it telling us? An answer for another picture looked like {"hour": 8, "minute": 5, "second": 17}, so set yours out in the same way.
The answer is {"hour": 2, "minute": 58, "second": 49}
